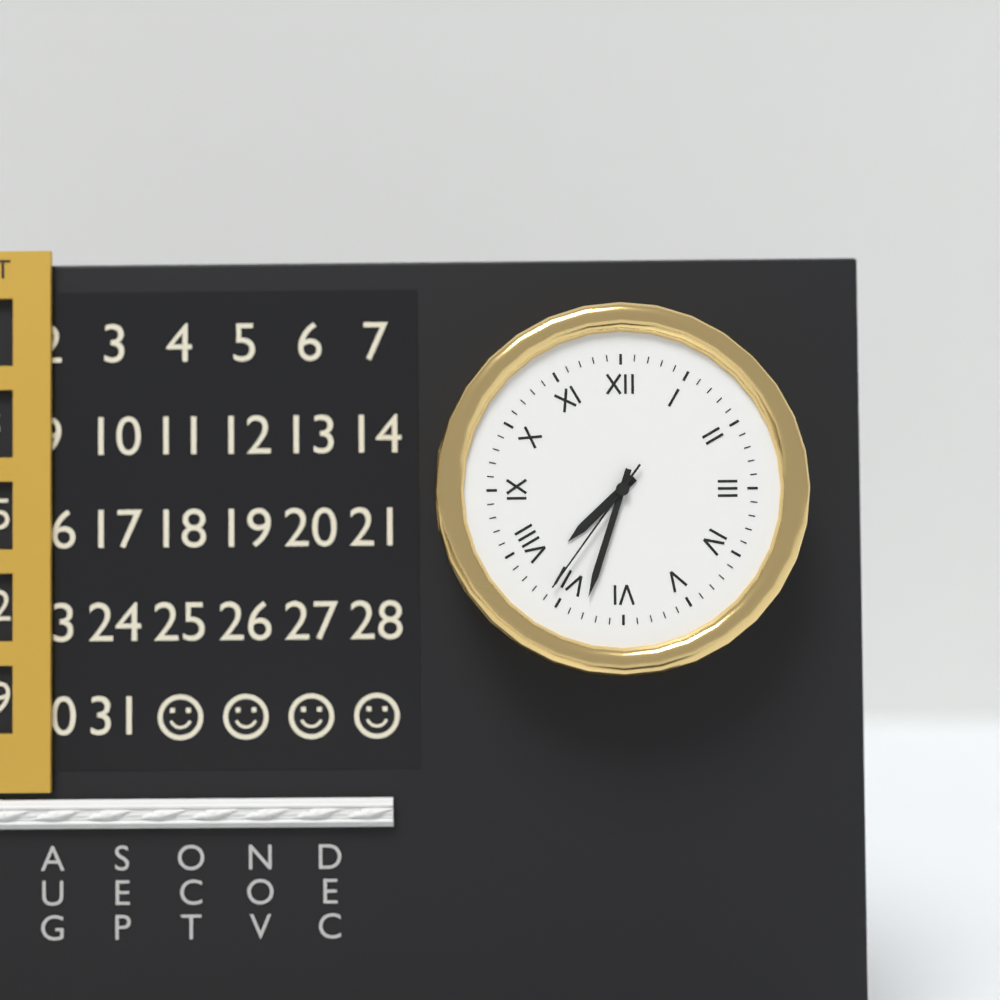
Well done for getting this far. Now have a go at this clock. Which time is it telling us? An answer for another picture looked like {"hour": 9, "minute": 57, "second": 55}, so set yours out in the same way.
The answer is {"hour": 7, "minute": 33, "second": 36}
